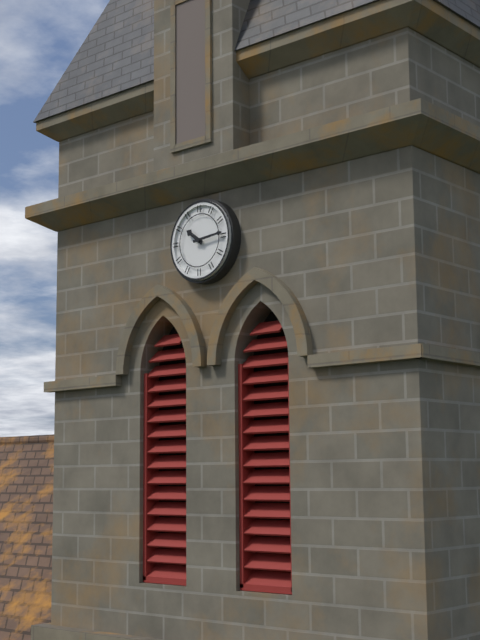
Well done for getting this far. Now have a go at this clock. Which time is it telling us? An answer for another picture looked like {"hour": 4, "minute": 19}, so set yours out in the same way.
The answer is {"hour": 10, "minute": 14}
